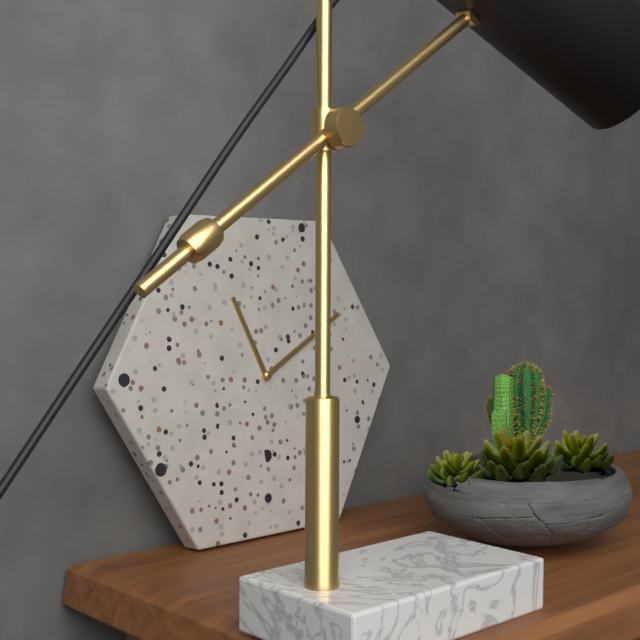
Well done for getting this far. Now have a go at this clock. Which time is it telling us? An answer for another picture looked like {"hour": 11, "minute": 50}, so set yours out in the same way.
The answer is {"hour": 11, "minute": 10}
